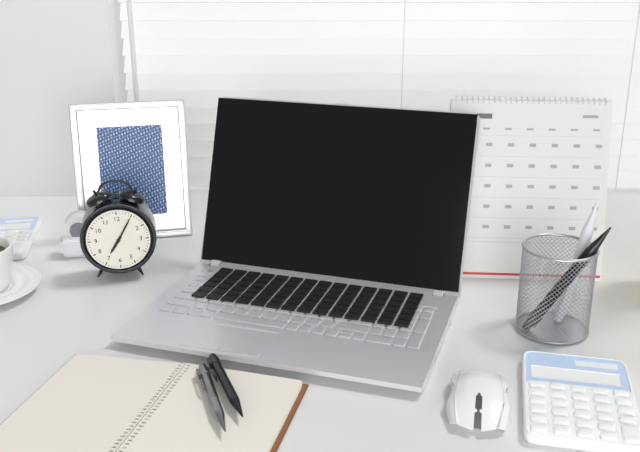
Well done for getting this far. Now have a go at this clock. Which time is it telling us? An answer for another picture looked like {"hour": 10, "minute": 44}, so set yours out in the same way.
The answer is {"hour": 7, "minute": 5}
